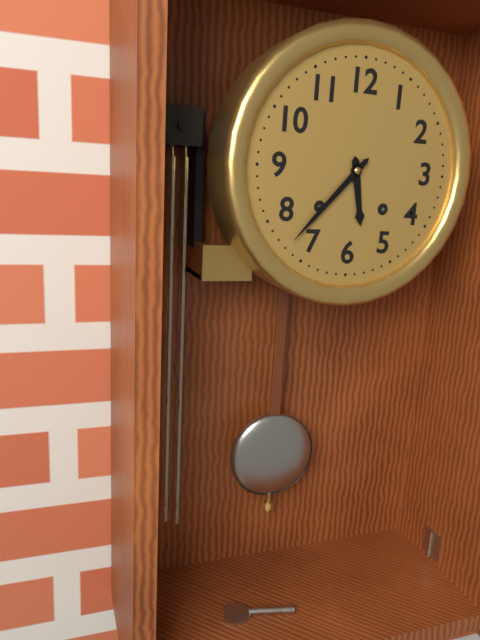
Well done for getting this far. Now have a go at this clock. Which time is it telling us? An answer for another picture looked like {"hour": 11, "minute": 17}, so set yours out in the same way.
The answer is {"hour": 5, "minute": 37}
